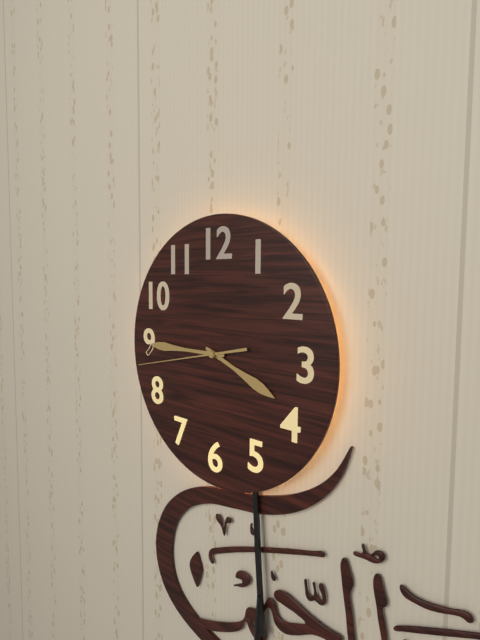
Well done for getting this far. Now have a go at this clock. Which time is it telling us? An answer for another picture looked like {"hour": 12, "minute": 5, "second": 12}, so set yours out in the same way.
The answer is {"hour": 3, "minute": 45, "second": 43}
